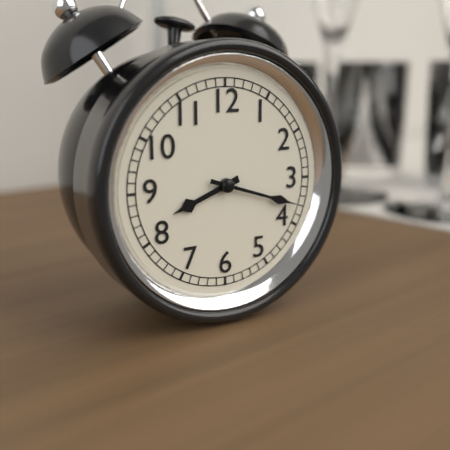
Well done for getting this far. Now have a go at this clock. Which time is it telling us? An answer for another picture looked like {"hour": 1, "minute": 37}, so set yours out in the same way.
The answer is {"hour": 8, "minute": 18}
